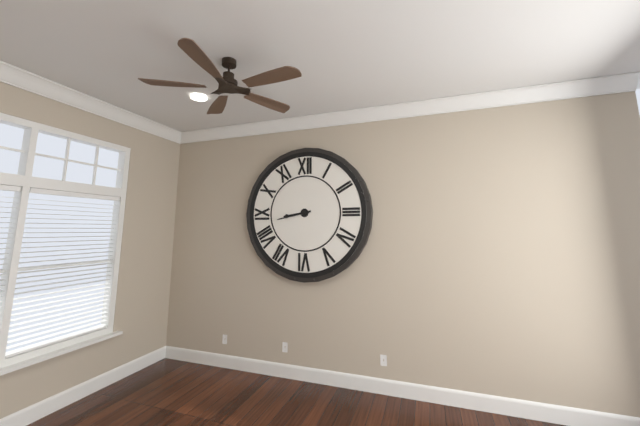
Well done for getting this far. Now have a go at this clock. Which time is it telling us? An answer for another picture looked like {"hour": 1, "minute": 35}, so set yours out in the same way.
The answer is {"hour": 8, "minute": 43}
